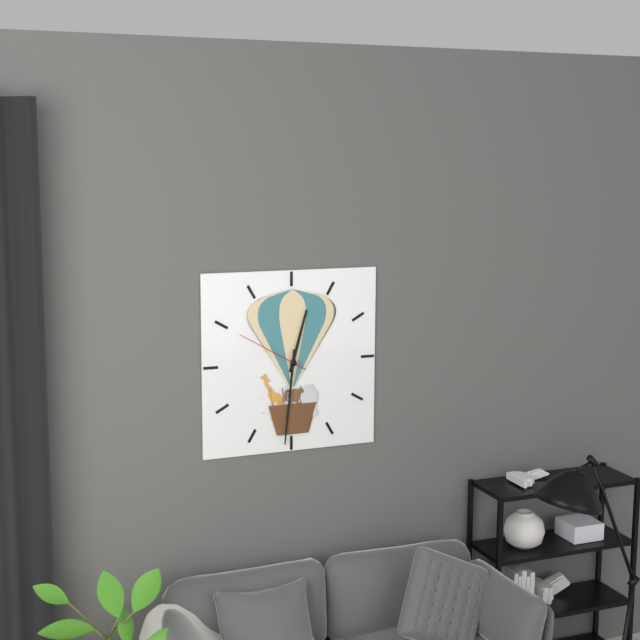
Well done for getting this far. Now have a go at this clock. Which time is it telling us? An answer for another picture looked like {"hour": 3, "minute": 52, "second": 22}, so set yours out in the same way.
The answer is {"hour": 12, "minute": 31, "second": 50}
